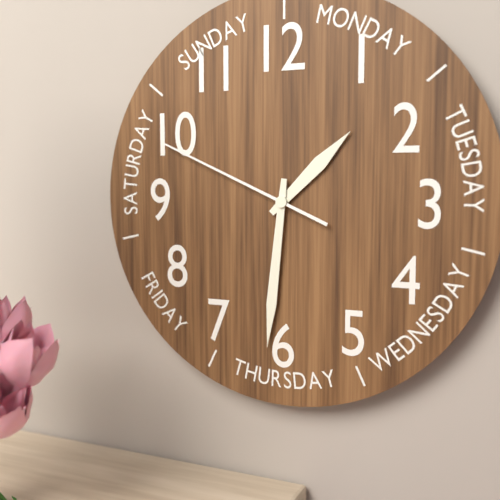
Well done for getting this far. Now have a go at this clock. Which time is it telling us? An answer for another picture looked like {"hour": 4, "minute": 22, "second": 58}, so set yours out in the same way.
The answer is {"hour": 1, "minute": 31, "second": 49}
